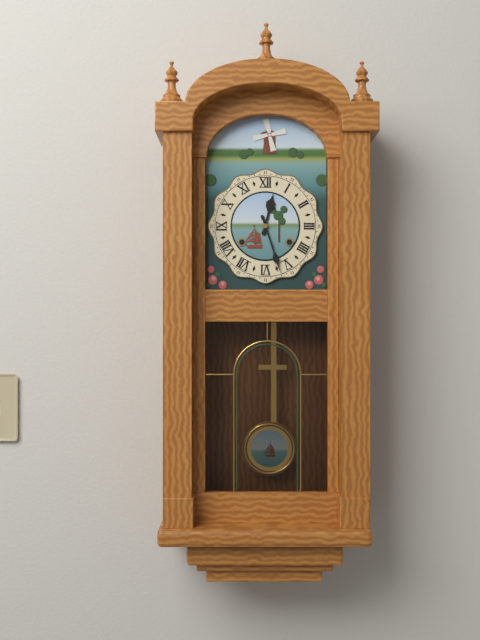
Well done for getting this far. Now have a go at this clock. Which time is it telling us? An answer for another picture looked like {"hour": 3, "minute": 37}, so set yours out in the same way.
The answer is {"hour": 12, "minute": 27}
